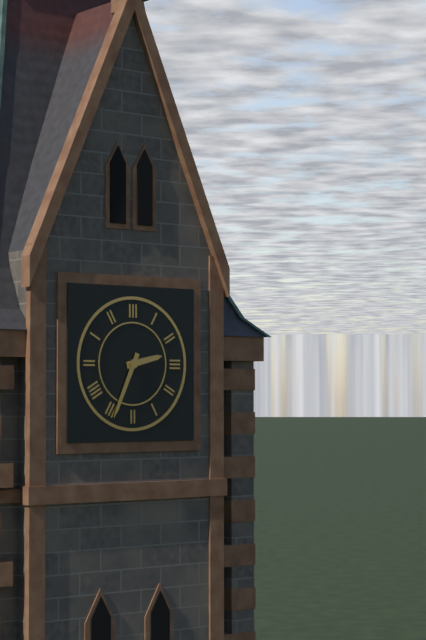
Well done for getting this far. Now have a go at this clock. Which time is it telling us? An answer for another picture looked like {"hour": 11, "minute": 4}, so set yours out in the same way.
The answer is {"hour": 2, "minute": 34}
